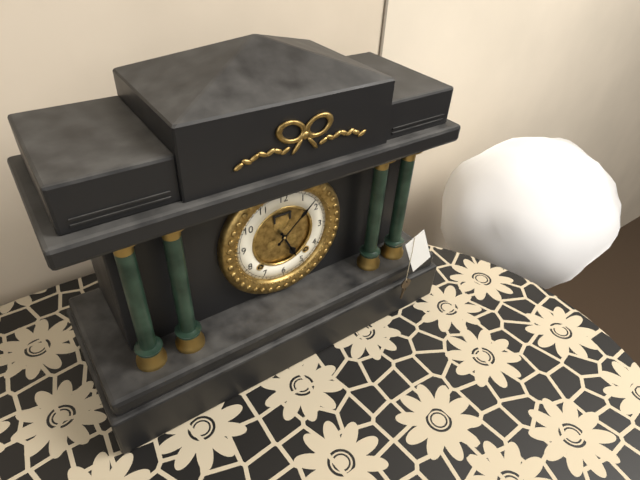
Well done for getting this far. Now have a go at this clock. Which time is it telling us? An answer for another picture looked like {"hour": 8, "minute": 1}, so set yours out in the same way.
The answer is {"hour": 5, "minute": 8}
